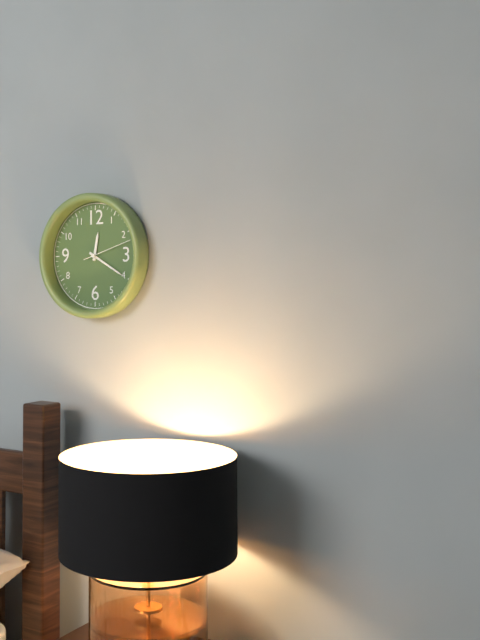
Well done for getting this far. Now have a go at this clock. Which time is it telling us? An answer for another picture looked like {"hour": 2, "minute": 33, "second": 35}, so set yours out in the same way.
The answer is {"hour": 12, "minute": 20, "second": 12}
